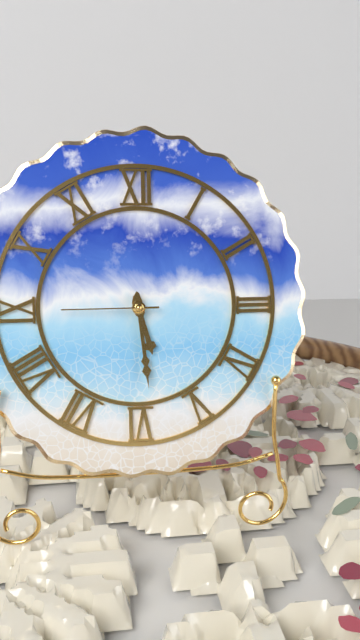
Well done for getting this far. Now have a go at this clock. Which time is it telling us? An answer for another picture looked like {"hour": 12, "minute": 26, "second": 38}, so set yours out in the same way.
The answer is {"hour": 5, "minute": 29, "second": 45}
